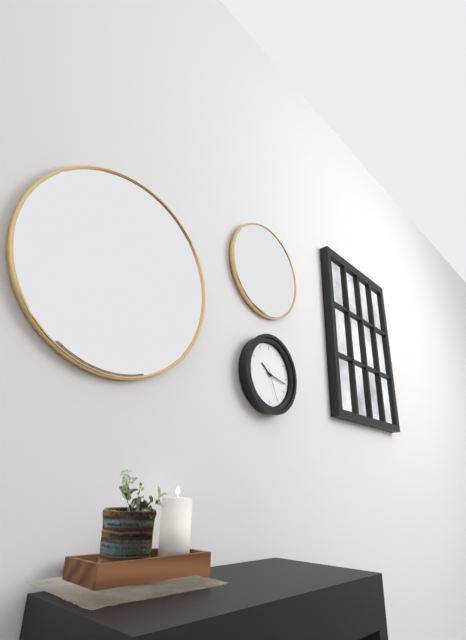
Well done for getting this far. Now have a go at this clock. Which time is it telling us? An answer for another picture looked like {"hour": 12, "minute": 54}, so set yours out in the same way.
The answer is {"hour": 10, "minute": 17}
